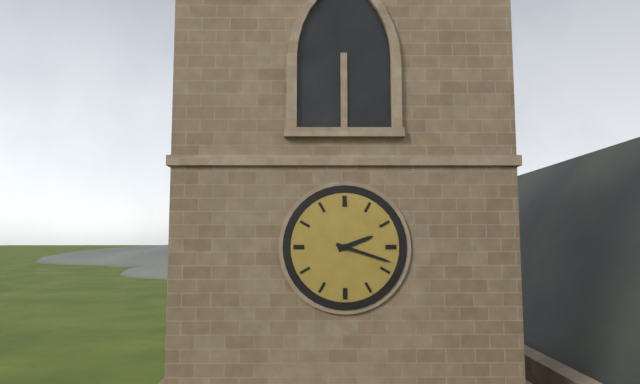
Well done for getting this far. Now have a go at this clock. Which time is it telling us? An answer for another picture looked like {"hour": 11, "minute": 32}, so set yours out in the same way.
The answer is {"hour": 2, "minute": 18}
